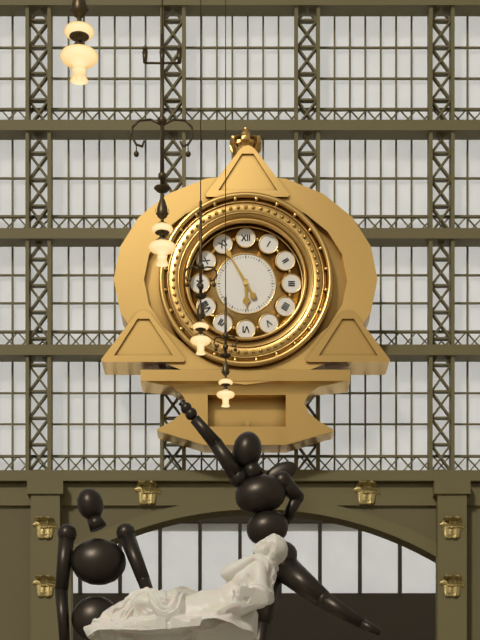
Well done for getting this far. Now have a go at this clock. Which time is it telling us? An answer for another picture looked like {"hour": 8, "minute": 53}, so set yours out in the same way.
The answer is {"hour": 5, "minute": 55}
